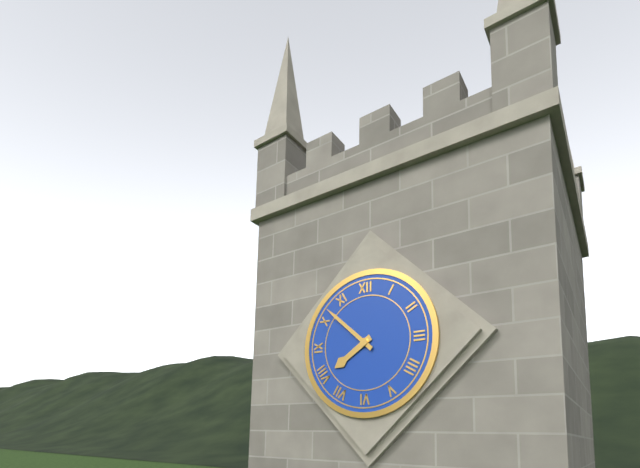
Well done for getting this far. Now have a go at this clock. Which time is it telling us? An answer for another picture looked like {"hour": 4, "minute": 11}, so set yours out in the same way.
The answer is {"hour": 7, "minute": 52}
